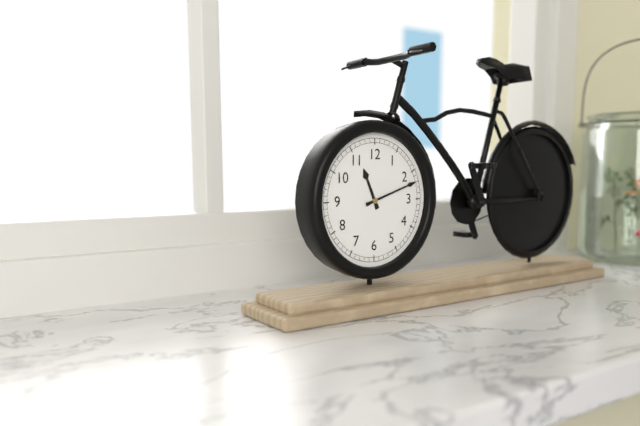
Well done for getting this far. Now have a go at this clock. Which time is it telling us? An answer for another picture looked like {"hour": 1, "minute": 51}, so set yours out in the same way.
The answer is {"hour": 11, "minute": 12}
